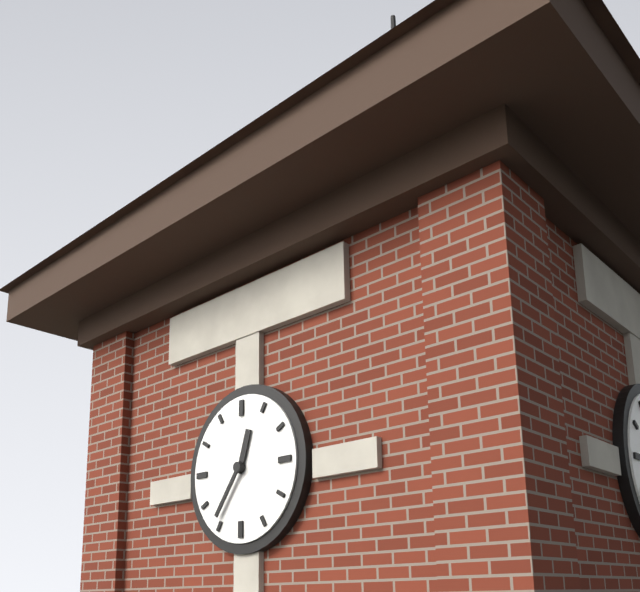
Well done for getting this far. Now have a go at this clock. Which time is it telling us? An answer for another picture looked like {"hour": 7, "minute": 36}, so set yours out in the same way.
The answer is {"hour": 12, "minute": 36}
